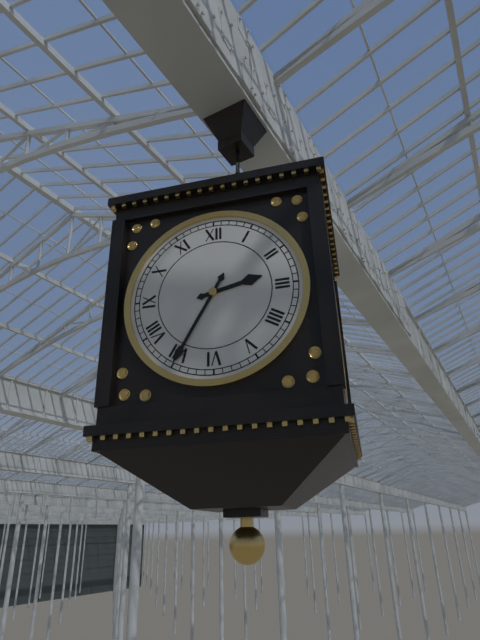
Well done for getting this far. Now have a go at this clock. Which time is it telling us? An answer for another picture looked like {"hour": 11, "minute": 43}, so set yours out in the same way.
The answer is {"hour": 2, "minute": 35}
